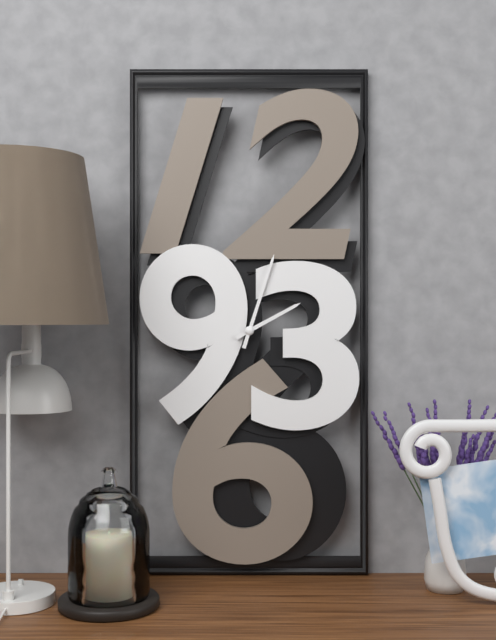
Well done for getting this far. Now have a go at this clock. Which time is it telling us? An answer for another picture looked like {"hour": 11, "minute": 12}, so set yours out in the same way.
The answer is {"hour": 2, "minute": 3}
